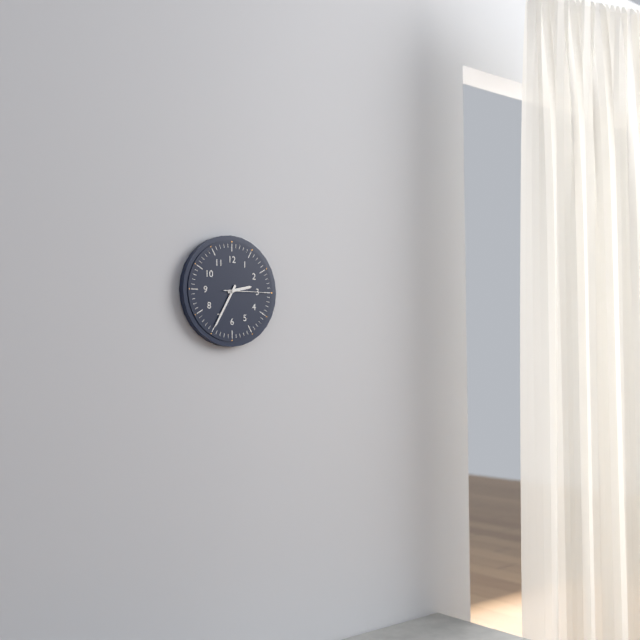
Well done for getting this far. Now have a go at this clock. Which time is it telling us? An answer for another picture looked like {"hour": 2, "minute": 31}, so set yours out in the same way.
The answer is {"hour": 2, "minute": 35}
